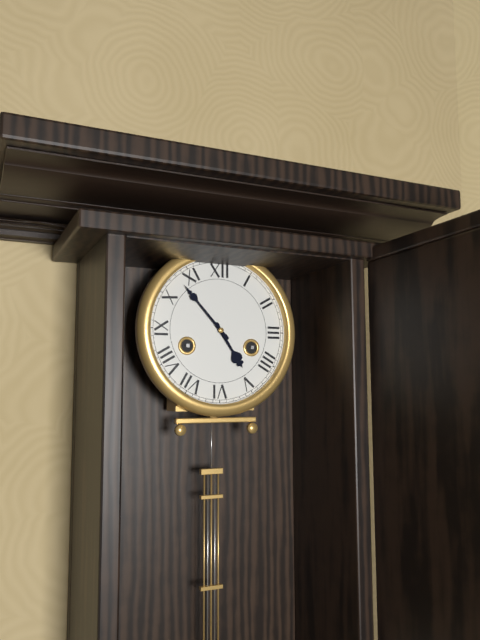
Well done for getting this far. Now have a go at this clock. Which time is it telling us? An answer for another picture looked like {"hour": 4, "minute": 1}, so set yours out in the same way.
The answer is {"hour": 4, "minute": 53}
